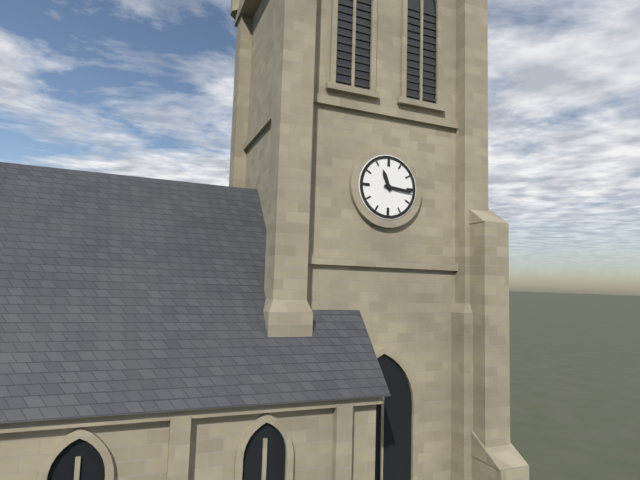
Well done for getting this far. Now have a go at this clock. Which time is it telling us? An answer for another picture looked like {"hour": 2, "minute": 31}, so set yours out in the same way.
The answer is {"hour": 11, "minute": 16}
